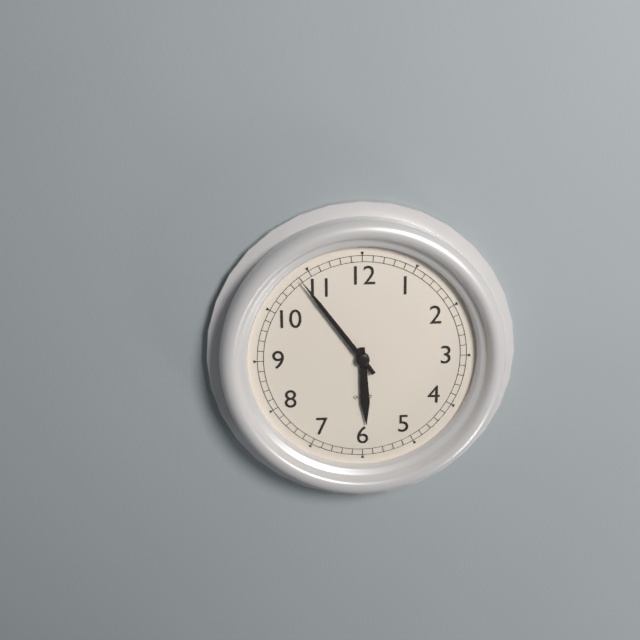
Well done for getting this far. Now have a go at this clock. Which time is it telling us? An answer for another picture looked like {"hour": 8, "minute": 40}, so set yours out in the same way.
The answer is {"hour": 5, "minute": 54}
